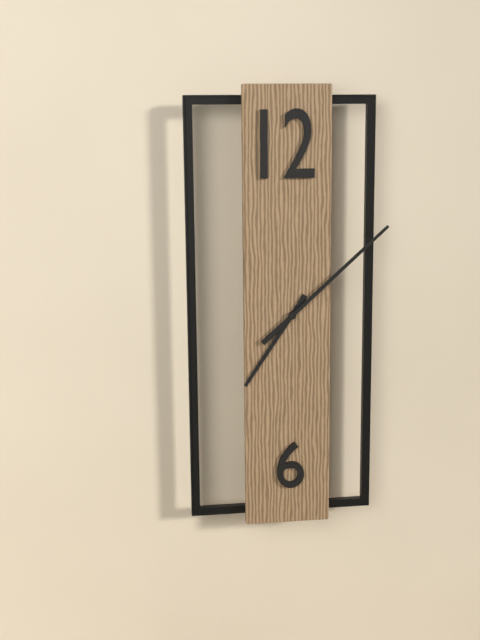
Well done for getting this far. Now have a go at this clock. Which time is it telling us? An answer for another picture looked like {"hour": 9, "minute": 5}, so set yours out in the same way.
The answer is {"hour": 7, "minute": 8}
